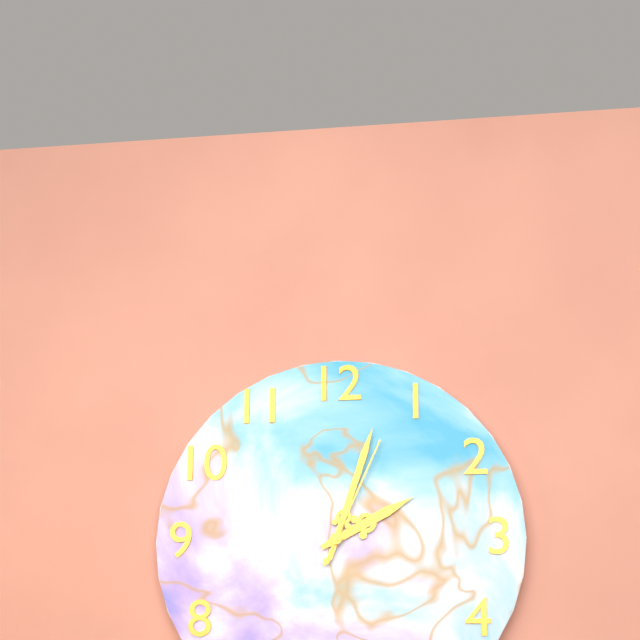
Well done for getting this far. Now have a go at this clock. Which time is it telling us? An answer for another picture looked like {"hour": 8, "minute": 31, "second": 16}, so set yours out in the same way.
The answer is {"hour": 2, "minute": 3, "second": 4}
